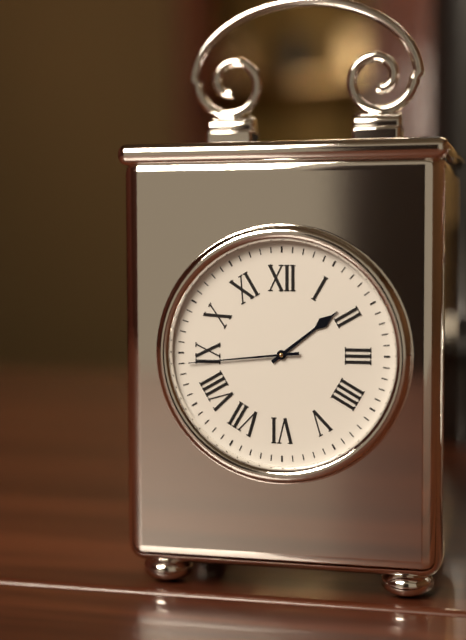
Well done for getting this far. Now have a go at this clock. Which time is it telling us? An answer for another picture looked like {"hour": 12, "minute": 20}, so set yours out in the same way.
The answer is {"hour": 1, "minute": 44}
